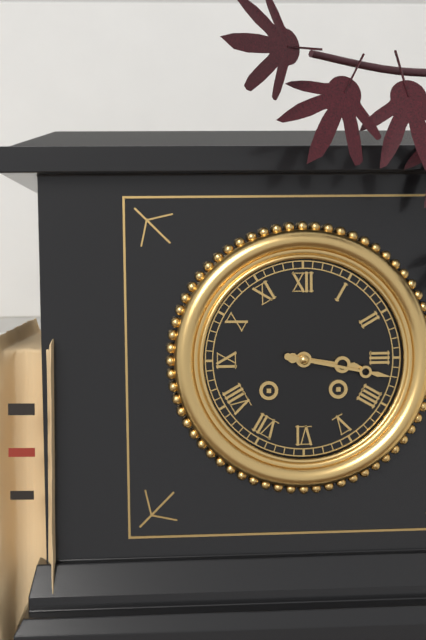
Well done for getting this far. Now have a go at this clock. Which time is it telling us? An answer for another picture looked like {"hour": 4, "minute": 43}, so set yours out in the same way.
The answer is {"hour": 3, "minute": 17}
